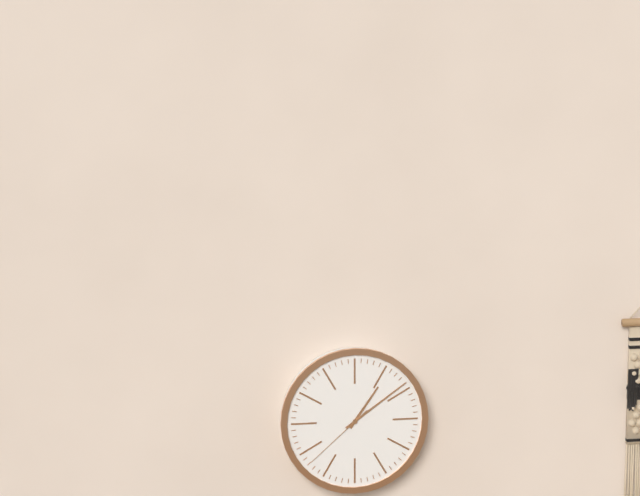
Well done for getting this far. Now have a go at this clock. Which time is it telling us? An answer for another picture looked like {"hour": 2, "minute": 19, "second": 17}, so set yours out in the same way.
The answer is {"hour": 1, "minute": 9, "second": 38}
